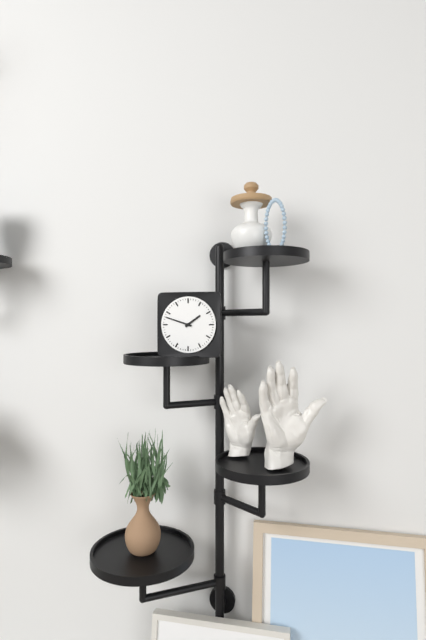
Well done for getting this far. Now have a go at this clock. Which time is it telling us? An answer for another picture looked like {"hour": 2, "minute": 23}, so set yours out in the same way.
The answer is {"hour": 1, "minute": 48}
